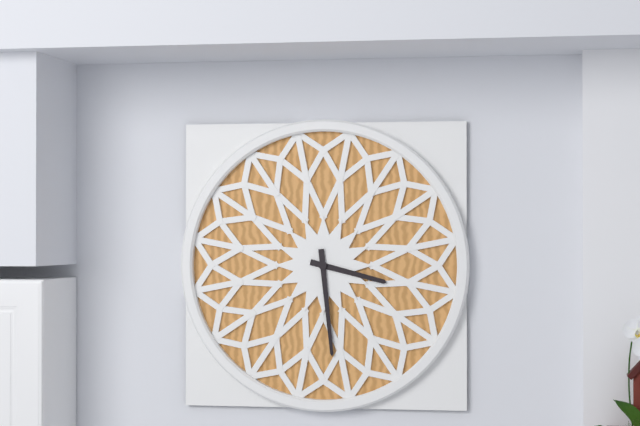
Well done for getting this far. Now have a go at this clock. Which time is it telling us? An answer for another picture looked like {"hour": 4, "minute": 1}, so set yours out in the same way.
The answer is {"hour": 3, "minute": 29}
